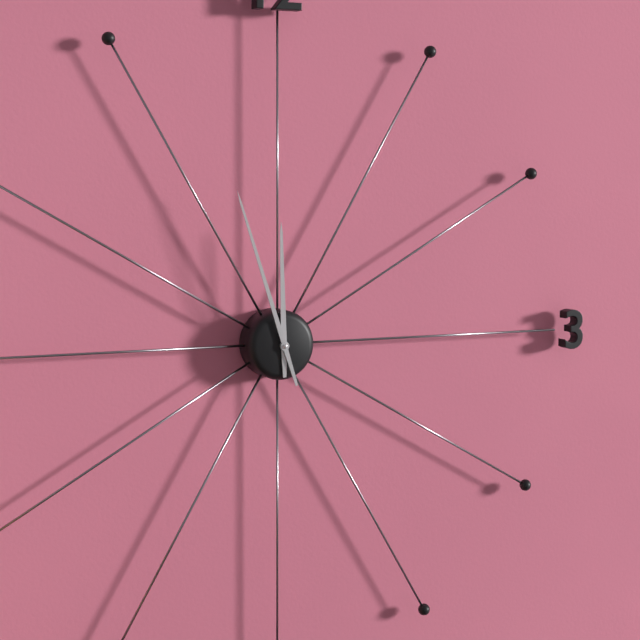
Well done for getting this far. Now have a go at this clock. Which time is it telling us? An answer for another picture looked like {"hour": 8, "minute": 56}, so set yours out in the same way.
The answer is {"hour": 11, "minute": 57}
